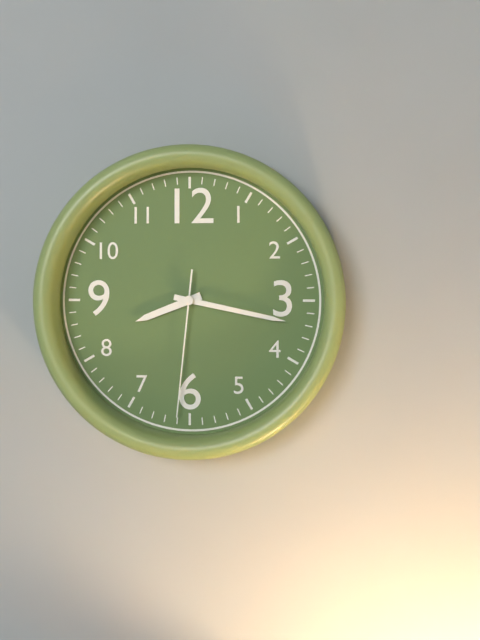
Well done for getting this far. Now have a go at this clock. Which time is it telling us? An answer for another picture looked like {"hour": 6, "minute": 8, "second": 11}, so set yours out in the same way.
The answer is {"hour": 8, "minute": 17, "second": 31}
